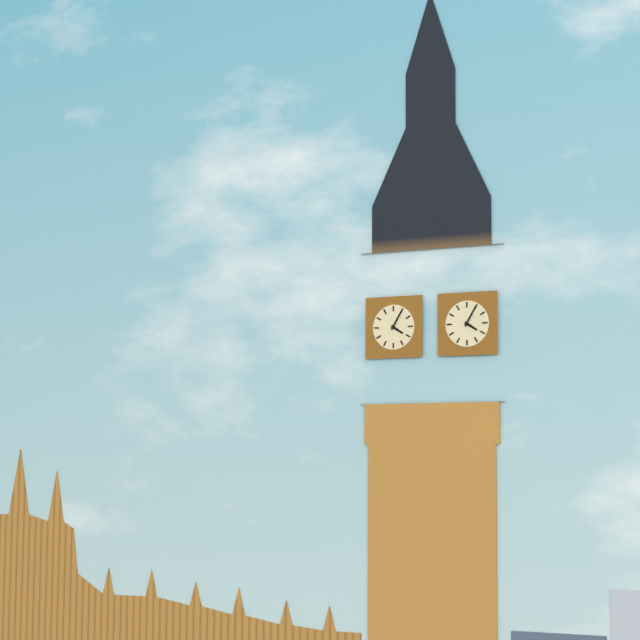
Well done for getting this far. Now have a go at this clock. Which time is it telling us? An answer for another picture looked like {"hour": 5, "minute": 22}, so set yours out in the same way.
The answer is {"hour": 4, "minute": 5}
